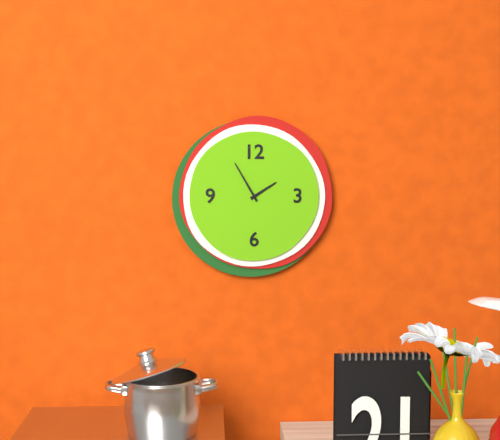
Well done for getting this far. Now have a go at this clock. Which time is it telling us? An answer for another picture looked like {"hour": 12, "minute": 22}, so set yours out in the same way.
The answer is {"hour": 1, "minute": 55}
